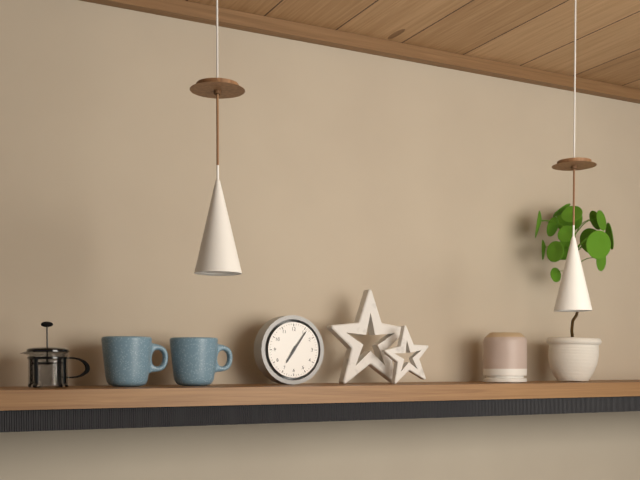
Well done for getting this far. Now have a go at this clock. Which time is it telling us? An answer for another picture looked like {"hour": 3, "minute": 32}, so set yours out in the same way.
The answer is {"hour": 7, "minute": 6}
